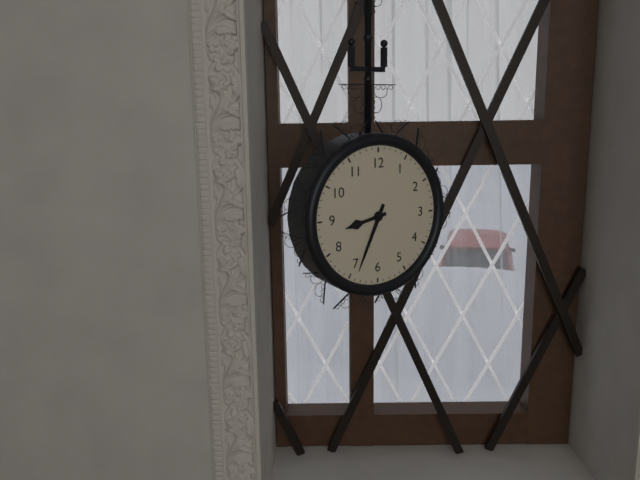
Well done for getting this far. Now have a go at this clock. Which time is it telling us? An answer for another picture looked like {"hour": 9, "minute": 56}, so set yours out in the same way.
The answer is {"hour": 8, "minute": 34}
